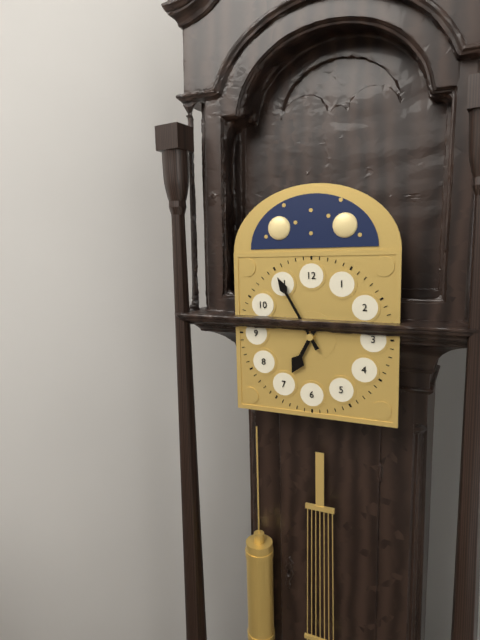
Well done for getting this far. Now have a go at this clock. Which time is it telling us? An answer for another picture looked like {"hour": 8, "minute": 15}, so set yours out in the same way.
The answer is {"hour": 6, "minute": 55}
